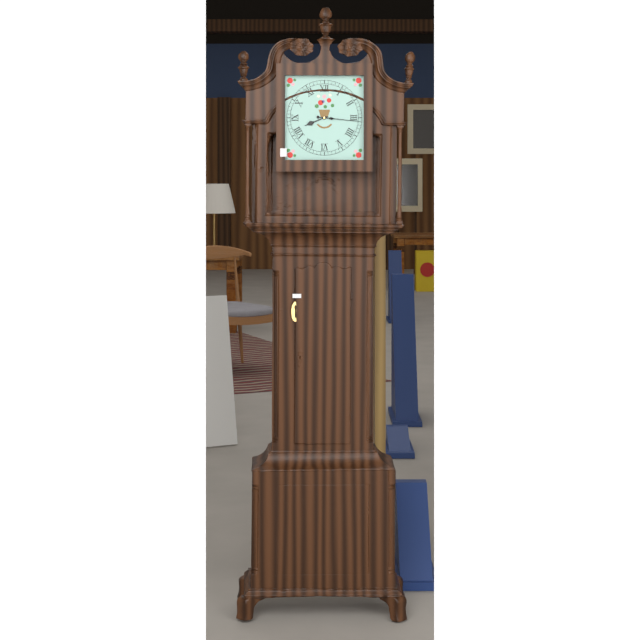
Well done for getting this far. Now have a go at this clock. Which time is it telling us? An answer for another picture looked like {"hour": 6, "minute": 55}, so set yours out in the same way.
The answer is {"hour": 8, "minute": 16}
